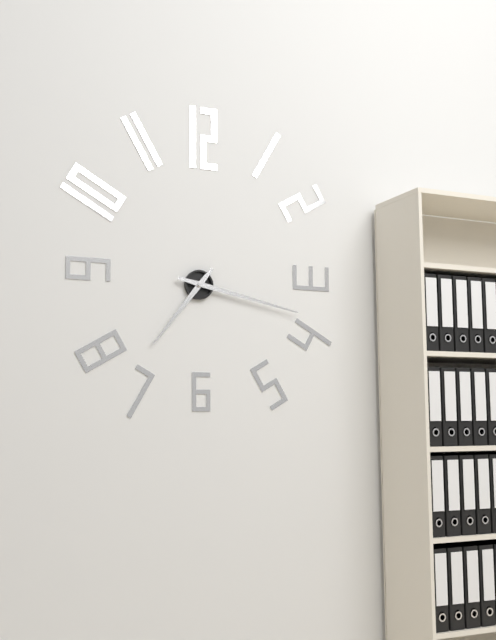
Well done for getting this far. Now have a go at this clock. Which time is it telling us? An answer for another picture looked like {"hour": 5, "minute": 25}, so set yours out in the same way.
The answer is {"hour": 7, "minute": 17}
